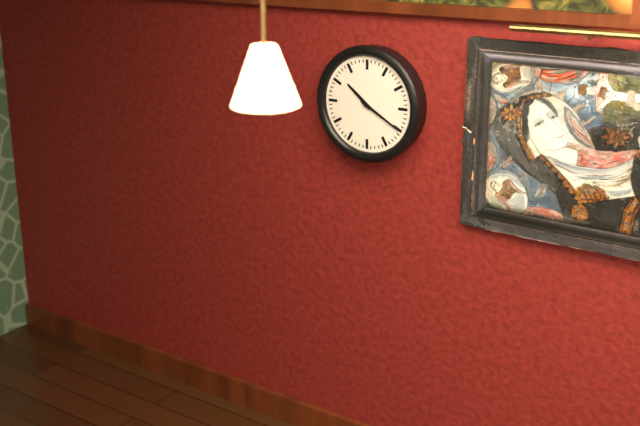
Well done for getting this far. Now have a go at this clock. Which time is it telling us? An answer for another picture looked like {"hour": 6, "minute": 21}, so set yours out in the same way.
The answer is {"hour": 10, "minute": 20}
